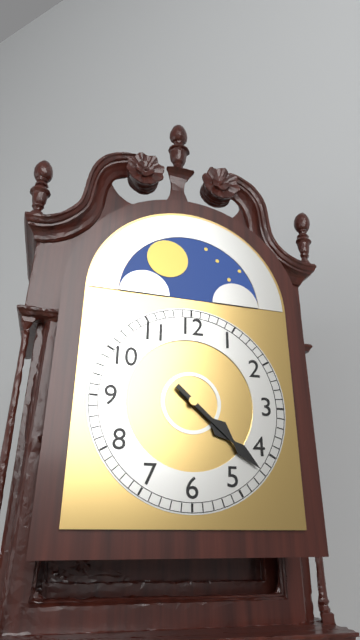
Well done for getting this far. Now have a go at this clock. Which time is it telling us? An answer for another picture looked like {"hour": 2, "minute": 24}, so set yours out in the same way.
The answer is {"hour": 4, "minute": 22}
